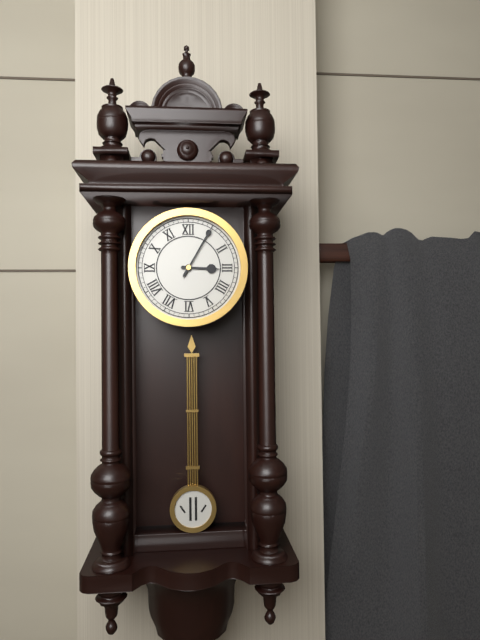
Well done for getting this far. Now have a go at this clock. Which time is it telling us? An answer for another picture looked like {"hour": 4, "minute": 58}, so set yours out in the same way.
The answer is {"hour": 3, "minute": 5}
